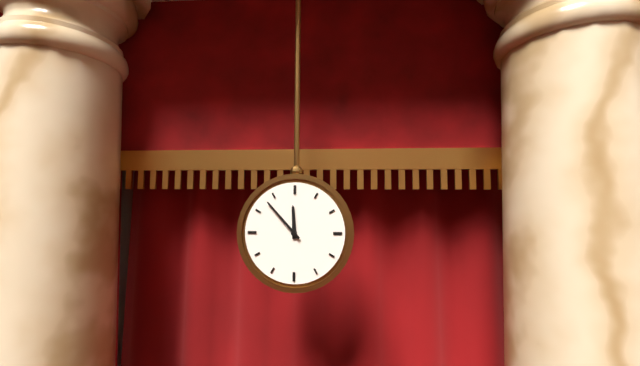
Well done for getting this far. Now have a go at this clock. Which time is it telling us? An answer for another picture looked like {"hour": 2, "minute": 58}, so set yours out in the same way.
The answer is {"hour": 11, "minute": 53}
